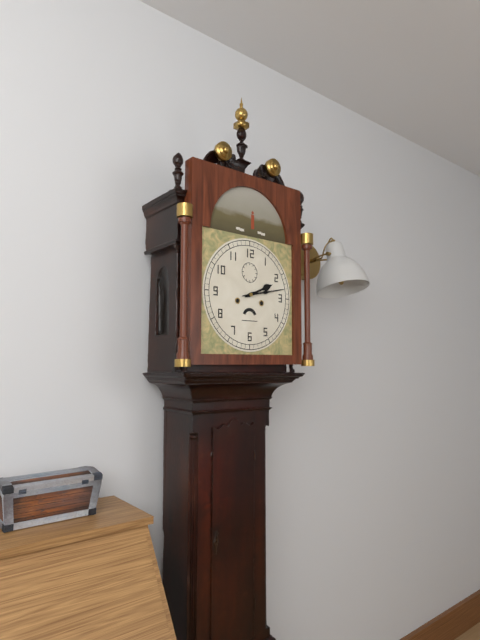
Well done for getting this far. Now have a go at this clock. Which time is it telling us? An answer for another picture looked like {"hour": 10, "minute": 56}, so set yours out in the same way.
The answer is {"hour": 2, "minute": 13}
